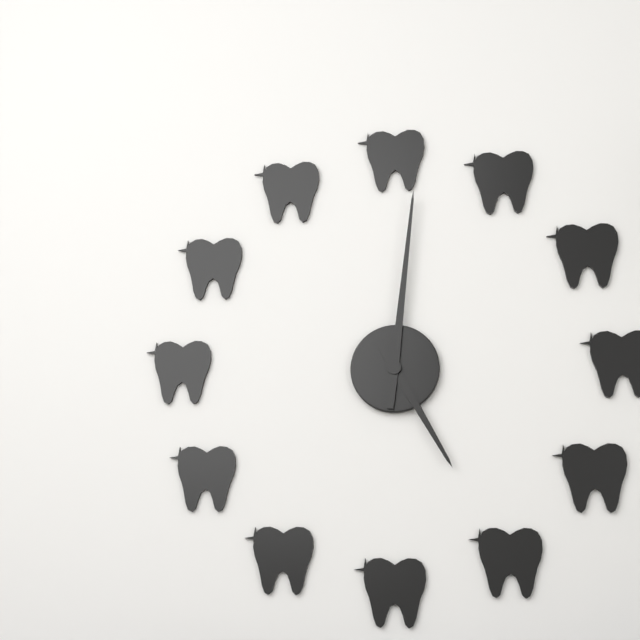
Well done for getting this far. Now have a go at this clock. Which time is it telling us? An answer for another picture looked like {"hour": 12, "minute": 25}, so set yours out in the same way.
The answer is {"hour": 5, "minute": 1}
